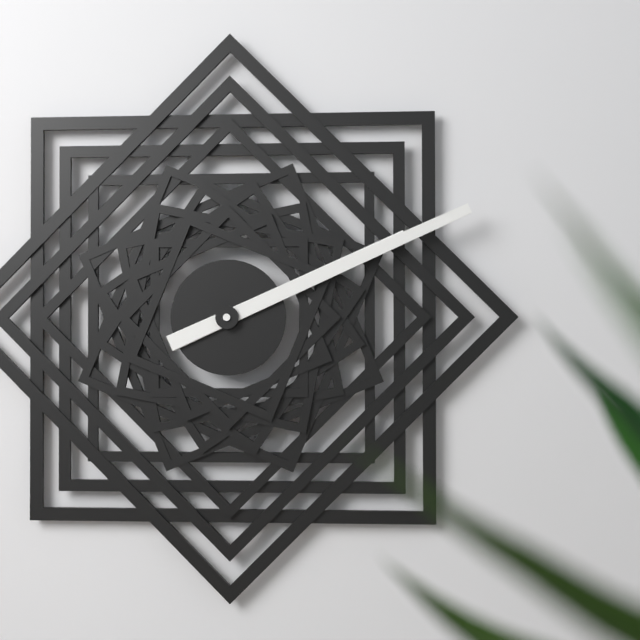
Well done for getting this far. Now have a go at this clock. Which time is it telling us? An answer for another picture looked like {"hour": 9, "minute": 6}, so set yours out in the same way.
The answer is {"hour": 2, "minute": 11}
